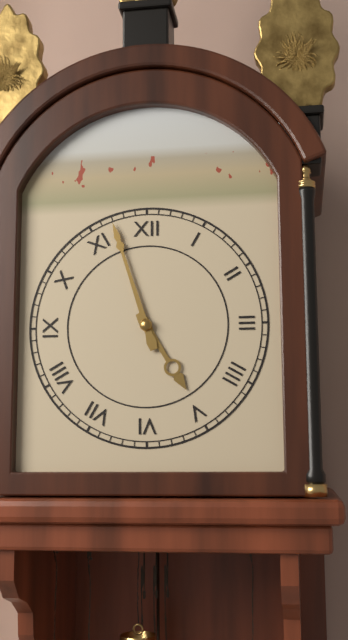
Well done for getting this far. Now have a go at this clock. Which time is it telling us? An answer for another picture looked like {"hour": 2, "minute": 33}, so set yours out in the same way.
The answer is {"hour": 4, "minute": 57}
